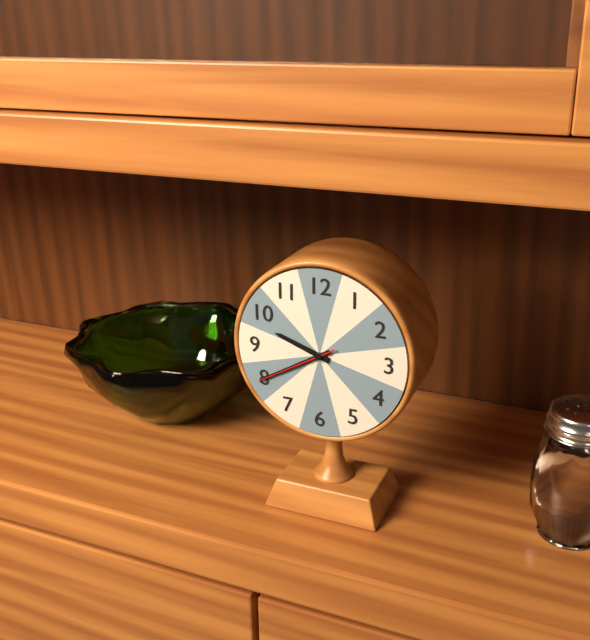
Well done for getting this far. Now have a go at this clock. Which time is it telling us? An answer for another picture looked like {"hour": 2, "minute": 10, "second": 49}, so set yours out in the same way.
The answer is {"hour": 9, "minute": 40, "second": 40}
